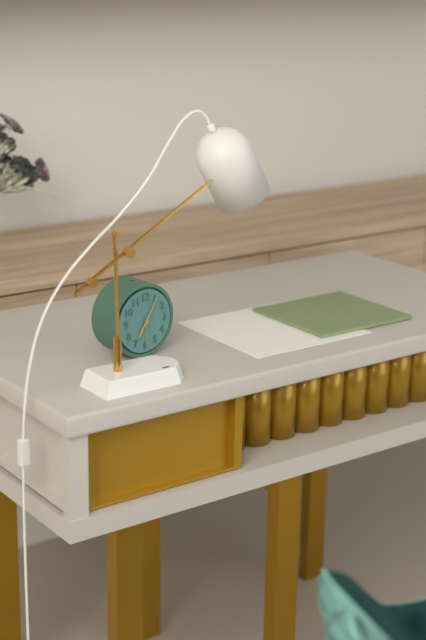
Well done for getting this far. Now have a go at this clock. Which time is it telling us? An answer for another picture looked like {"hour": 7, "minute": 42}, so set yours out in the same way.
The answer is {"hour": 7, "minute": 5}
